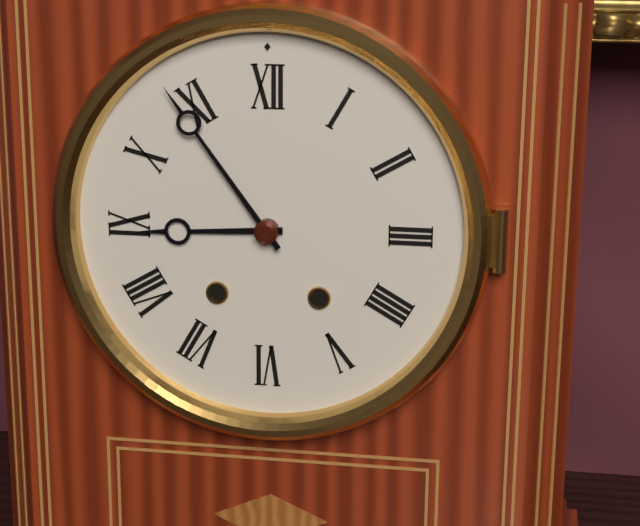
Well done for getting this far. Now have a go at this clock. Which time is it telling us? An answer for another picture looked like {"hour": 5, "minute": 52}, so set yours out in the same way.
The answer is {"hour": 8, "minute": 54}
